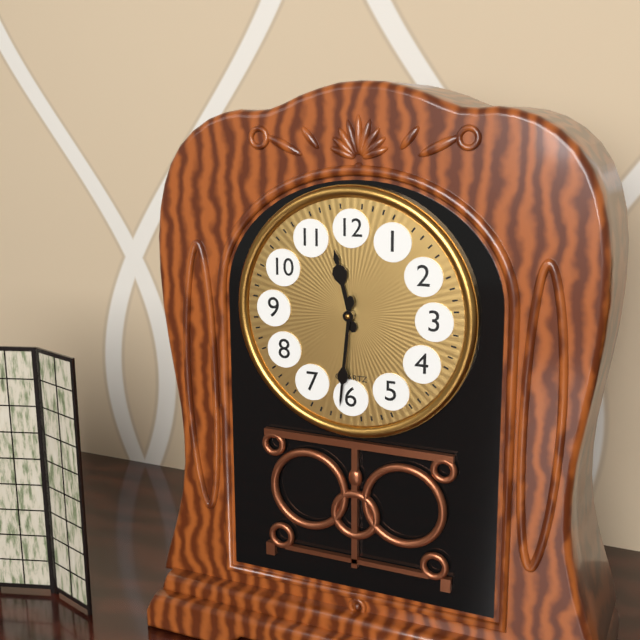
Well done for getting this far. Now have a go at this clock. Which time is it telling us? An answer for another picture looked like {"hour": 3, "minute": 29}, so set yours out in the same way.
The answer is {"hour": 11, "minute": 31}
